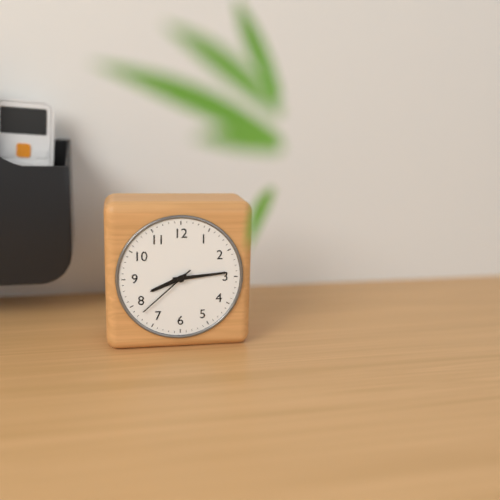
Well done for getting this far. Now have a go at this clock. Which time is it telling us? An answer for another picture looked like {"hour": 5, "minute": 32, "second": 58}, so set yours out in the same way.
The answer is {"hour": 8, "minute": 14, "second": 38}
